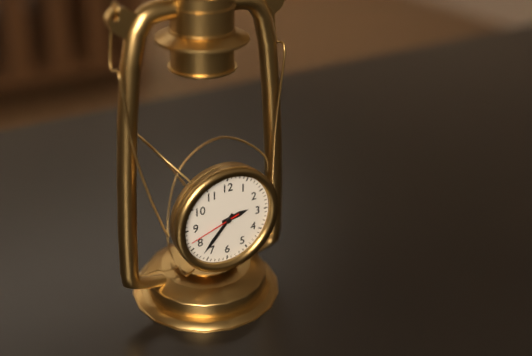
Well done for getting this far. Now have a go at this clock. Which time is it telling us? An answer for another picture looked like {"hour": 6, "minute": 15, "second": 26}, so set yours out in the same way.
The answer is {"hour": 2, "minute": 37, "second": 42}
